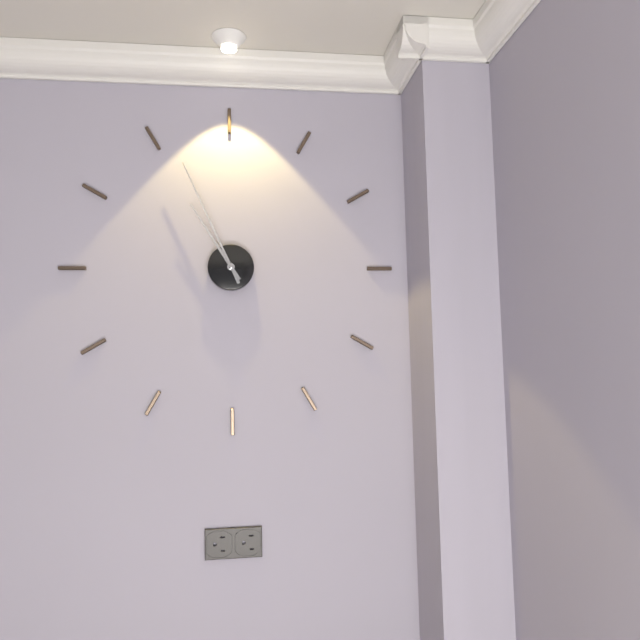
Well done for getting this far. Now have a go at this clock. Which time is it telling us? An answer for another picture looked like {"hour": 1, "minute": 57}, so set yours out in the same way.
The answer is {"hour": 10, "minute": 56}
